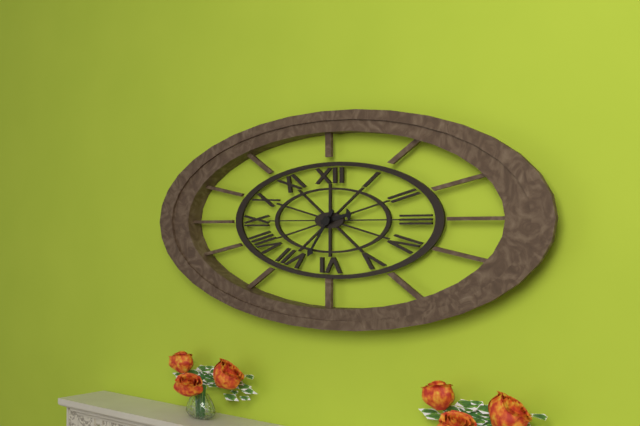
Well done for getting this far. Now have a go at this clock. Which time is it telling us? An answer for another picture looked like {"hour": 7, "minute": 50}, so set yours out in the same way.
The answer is {"hour": 2, "minute": 36}
